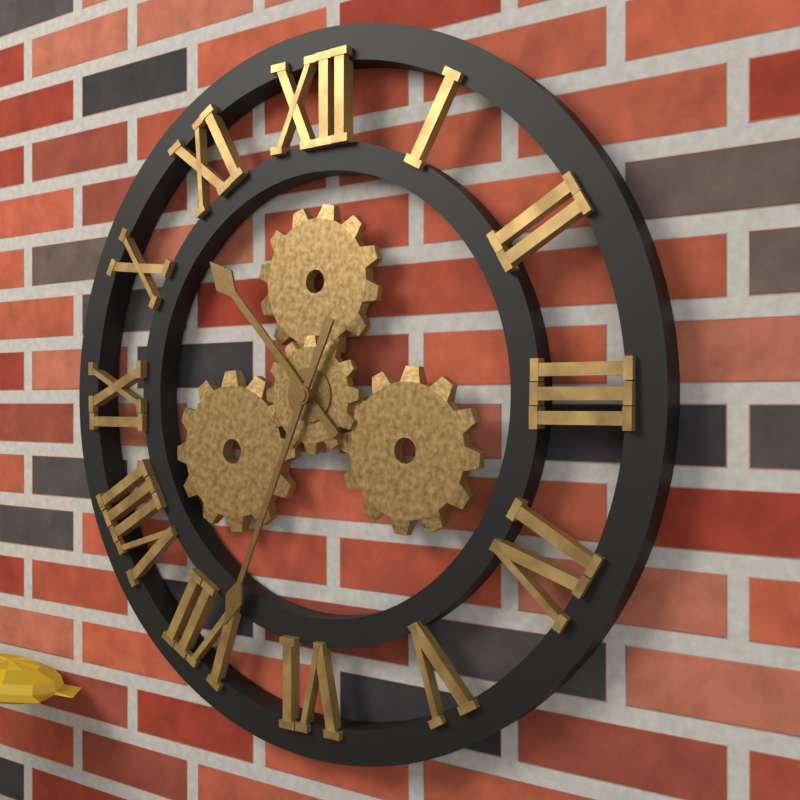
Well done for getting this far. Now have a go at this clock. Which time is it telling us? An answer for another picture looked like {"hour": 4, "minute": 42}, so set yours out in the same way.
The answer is {"hour": 10, "minute": 34}
